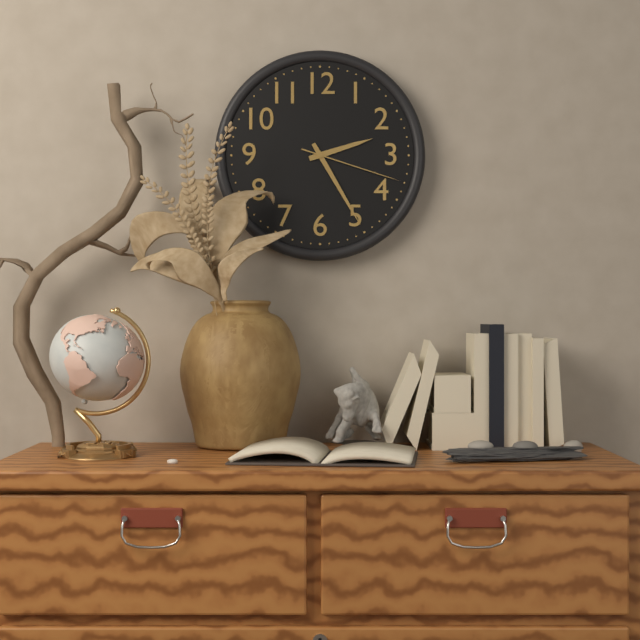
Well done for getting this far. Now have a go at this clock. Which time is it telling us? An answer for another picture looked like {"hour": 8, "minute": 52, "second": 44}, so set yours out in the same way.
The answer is {"hour": 2, "minute": 25, "second": 18}
